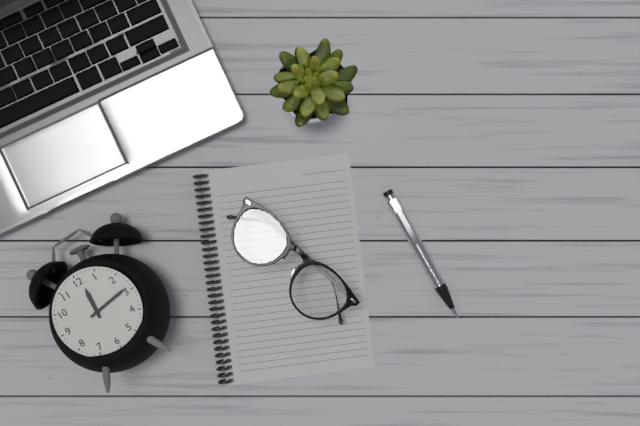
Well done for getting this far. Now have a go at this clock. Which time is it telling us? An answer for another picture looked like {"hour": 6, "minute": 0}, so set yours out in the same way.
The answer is {"hour": 12, "minute": 14}
